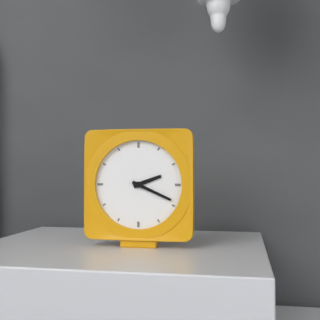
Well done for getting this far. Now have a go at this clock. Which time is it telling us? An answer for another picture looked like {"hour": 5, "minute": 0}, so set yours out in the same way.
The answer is {"hour": 2, "minute": 19}
